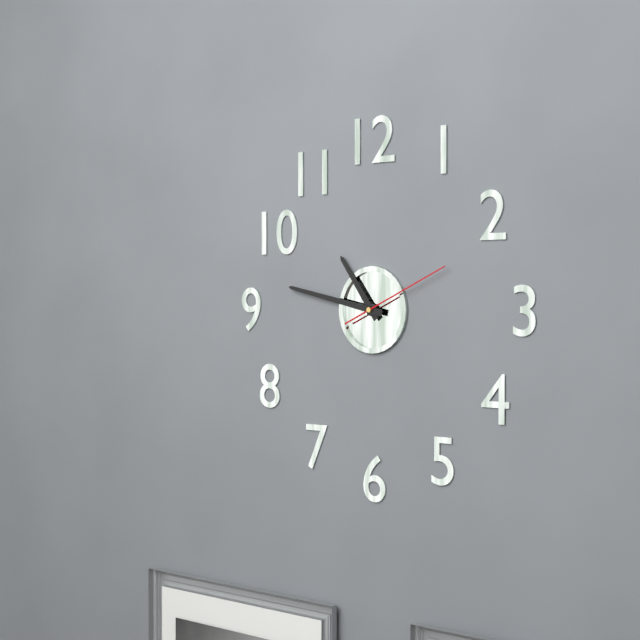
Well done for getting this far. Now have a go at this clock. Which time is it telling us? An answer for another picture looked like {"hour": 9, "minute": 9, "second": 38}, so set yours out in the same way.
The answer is {"hour": 10, "minute": 47, "second": 11}
